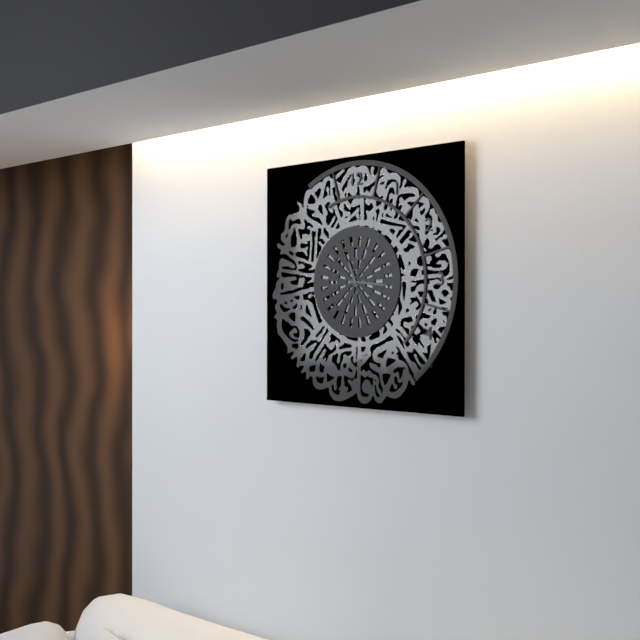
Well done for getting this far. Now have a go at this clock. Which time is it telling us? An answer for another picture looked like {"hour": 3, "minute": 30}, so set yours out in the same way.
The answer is {"hour": 11, "minute": 16}
